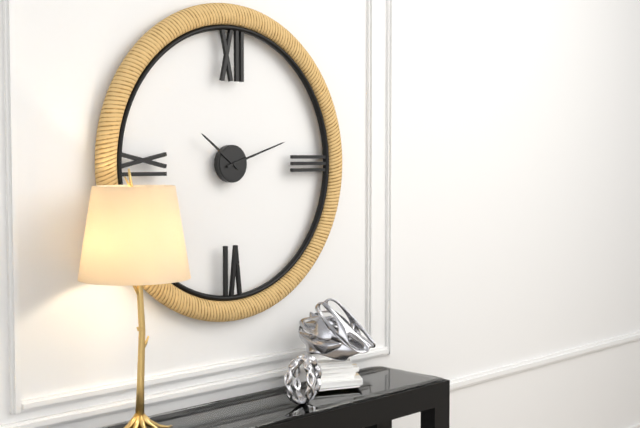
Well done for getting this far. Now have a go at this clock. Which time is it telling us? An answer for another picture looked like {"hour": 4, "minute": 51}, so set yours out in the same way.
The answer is {"hour": 10, "minute": 12}
